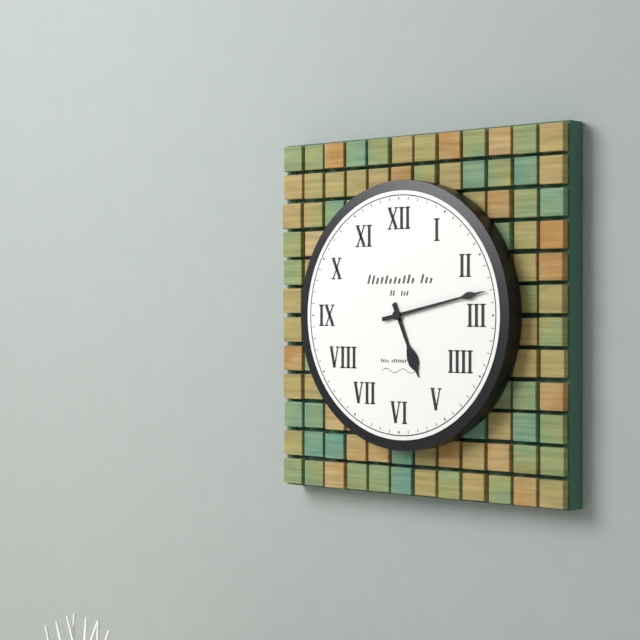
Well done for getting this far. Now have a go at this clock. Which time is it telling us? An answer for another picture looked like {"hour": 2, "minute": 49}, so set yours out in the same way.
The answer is {"hour": 5, "minute": 13}
